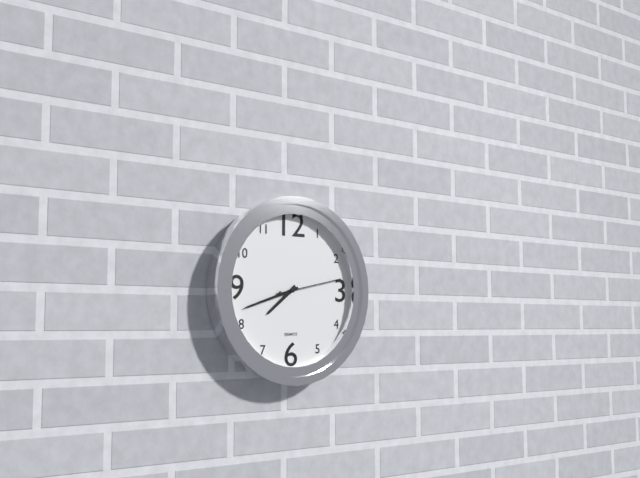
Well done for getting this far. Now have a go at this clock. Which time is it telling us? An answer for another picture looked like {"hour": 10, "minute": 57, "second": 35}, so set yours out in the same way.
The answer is {"hour": 7, "minute": 42, "second": 13}
